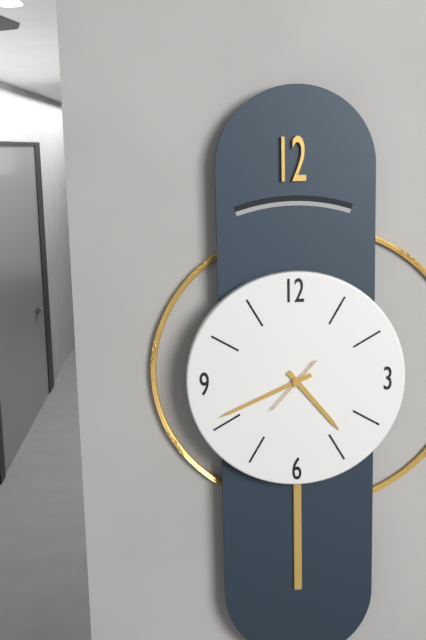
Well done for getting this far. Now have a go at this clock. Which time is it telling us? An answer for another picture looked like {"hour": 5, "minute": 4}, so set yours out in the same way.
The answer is {"hour": 4, "minute": 41}
